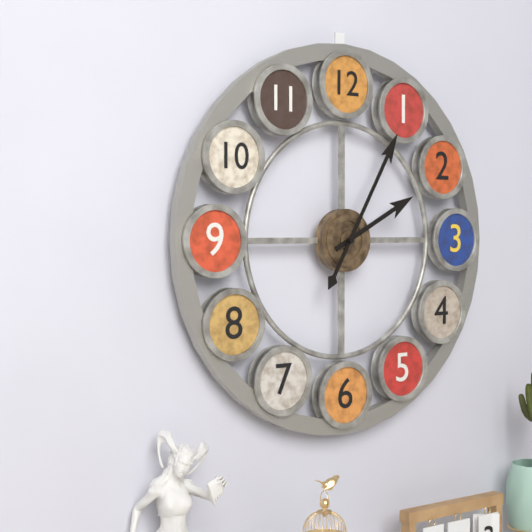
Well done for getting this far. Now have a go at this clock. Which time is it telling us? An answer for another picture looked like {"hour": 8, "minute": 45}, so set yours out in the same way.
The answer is {"hour": 2, "minute": 5}
